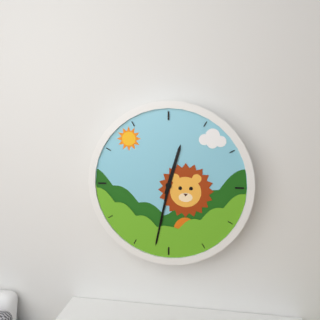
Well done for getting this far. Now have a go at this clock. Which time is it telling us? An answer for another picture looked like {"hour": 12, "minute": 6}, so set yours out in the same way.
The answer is {"hour": 12, "minute": 32}
